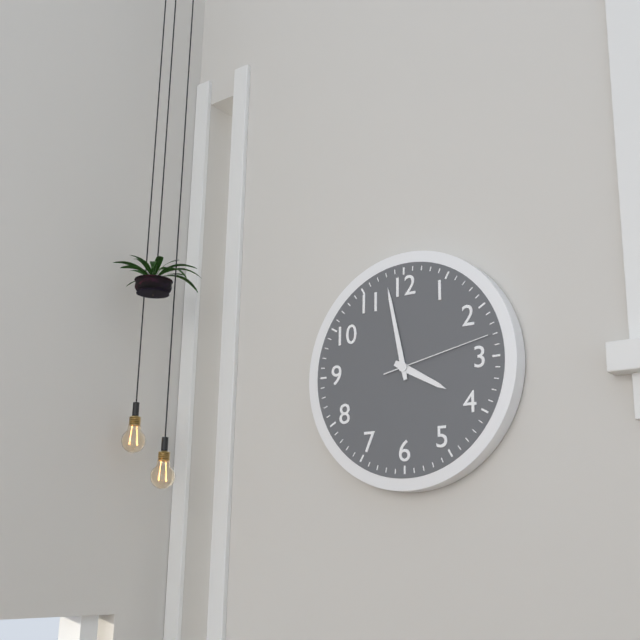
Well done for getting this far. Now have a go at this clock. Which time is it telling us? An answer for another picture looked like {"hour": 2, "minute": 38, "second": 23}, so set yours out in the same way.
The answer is {"hour": 3, "minute": 58, "second": 13}
